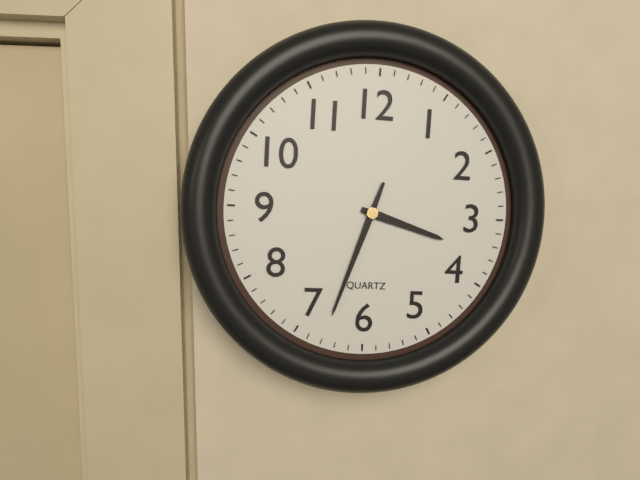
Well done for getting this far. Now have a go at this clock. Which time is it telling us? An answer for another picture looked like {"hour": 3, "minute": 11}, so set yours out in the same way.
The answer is {"hour": 3, "minute": 33}
